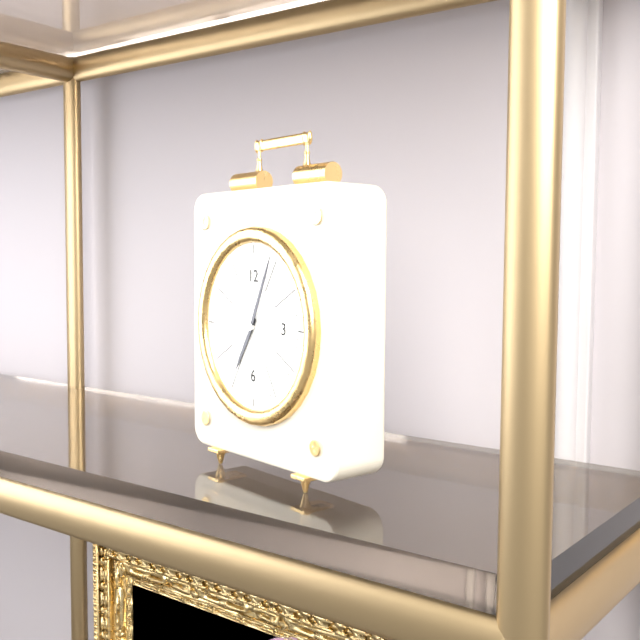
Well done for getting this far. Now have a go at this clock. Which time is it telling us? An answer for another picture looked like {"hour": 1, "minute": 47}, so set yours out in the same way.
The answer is {"hour": 7, "minute": 4}
